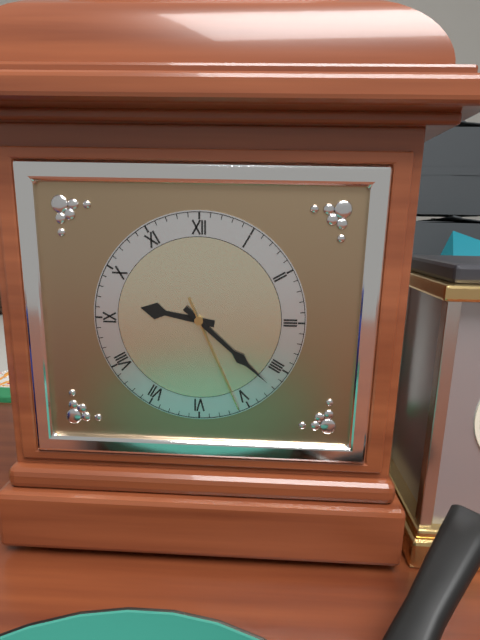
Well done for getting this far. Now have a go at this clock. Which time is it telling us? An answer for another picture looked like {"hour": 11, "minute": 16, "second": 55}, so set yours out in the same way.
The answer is {"hour": 9, "minute": 22, "second": 26}
